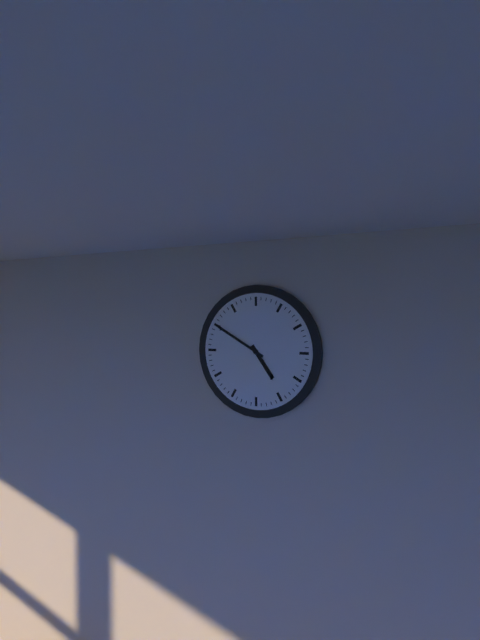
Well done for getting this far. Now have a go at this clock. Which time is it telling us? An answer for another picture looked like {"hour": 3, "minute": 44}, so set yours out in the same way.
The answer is {"hour": 4, "minute": 50}
